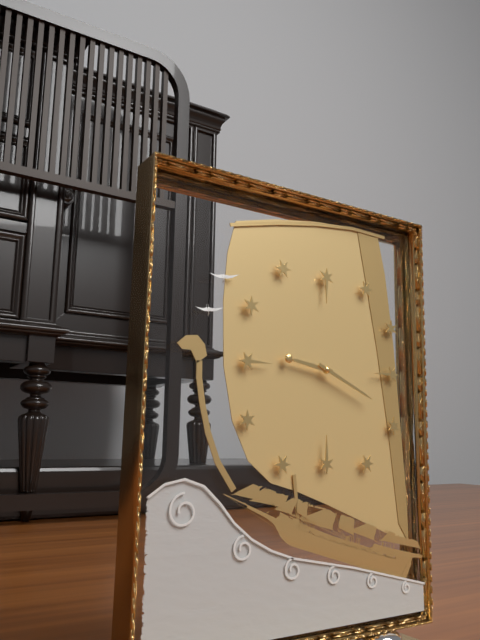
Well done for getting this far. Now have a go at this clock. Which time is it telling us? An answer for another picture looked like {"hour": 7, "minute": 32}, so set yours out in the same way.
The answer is {"hour": 9, "minute": 19}
